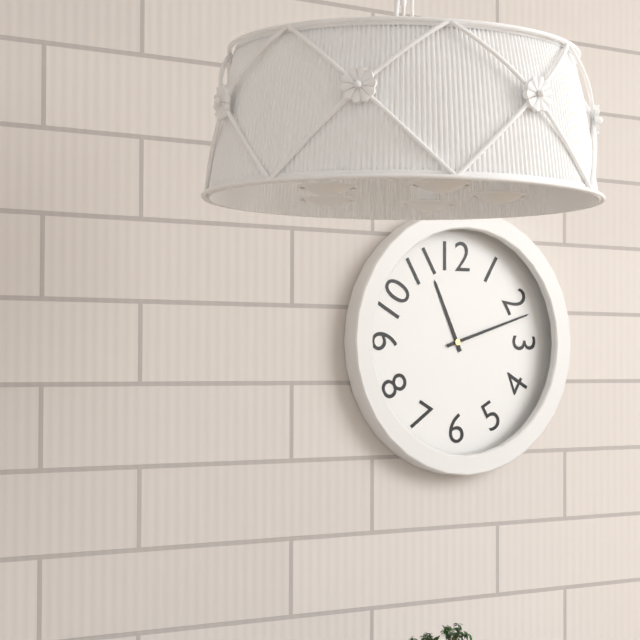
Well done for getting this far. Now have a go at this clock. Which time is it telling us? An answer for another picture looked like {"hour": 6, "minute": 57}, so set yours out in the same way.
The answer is {"hour": 11, "minute": 12}
